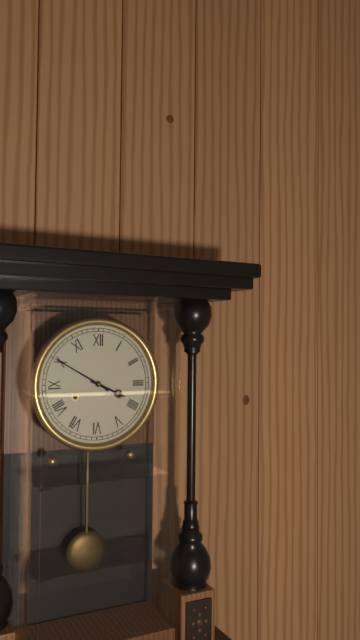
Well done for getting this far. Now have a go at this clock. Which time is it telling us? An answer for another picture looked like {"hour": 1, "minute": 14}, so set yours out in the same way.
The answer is {"hour": 3, "minute": 50}
